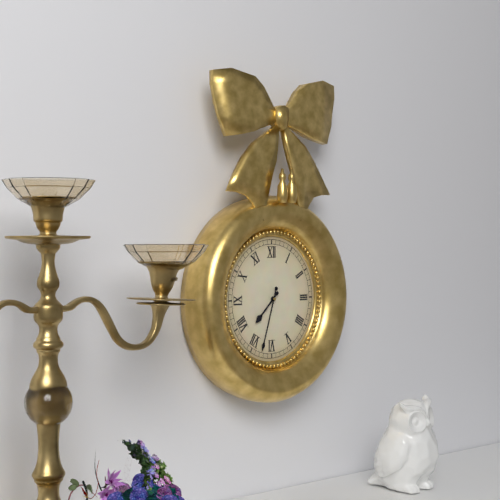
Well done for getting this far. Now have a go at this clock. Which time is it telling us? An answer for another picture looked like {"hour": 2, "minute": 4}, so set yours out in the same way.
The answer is {"hour": 7, "minute": 33}
